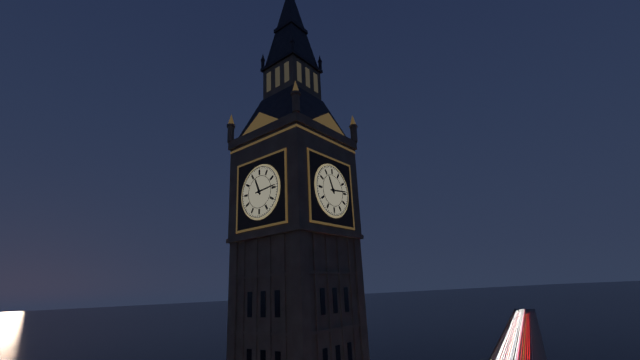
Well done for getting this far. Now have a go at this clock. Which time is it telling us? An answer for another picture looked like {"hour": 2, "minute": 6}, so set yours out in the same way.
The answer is {"hour": 11, "minute": 14}
